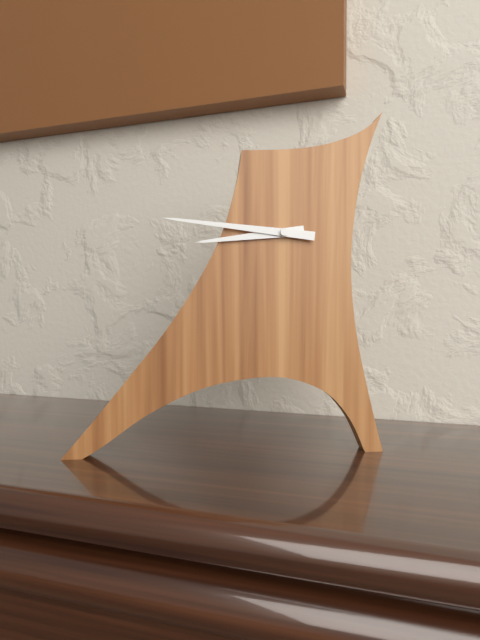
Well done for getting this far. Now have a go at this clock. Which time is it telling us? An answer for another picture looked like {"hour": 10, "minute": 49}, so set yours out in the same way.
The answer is {"hour": 8, "minute": 46}
